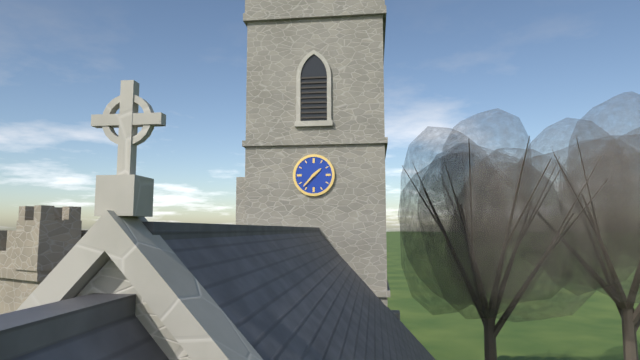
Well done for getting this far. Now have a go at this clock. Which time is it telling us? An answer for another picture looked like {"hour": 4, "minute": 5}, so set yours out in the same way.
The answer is {"hour": 1, "minute": 37}
